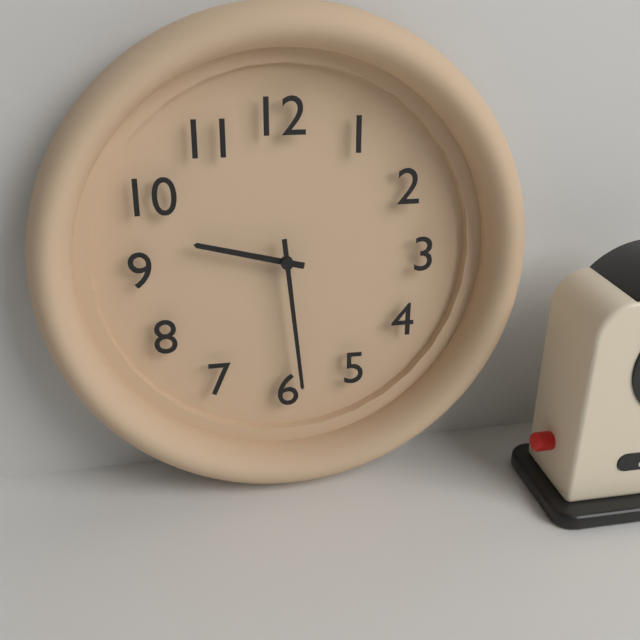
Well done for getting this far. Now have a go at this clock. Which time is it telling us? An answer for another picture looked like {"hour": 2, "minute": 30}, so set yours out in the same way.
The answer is {"hour": 9, "minute": 29}
